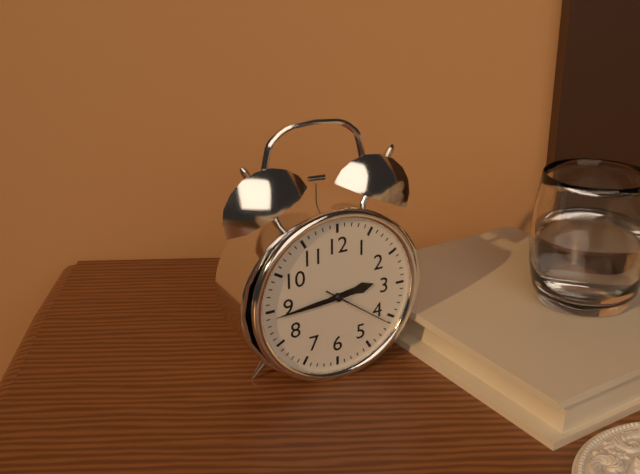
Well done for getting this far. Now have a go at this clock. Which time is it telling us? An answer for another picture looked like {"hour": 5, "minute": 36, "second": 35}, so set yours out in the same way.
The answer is {"hour": 2, "minute": 44, "second": 21}
